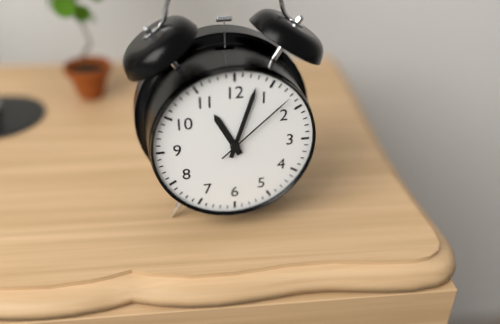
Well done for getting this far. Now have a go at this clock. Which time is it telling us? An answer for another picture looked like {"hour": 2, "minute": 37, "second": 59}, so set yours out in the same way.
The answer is {"hour": 11, "minute": 3, "second": 8}
